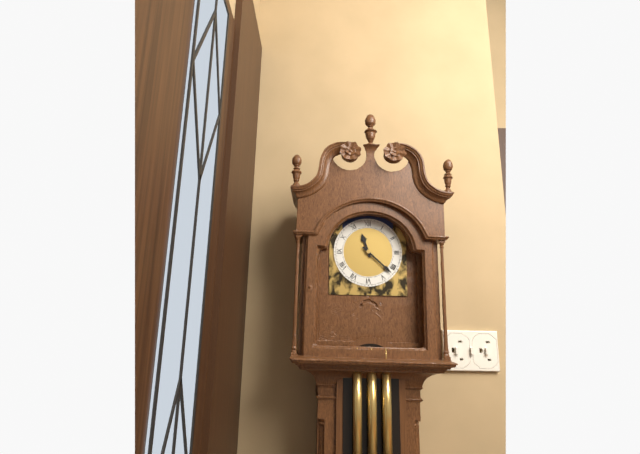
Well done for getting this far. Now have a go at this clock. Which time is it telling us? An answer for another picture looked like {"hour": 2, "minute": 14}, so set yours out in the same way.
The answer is {"hour": 11, "minute": 22}
